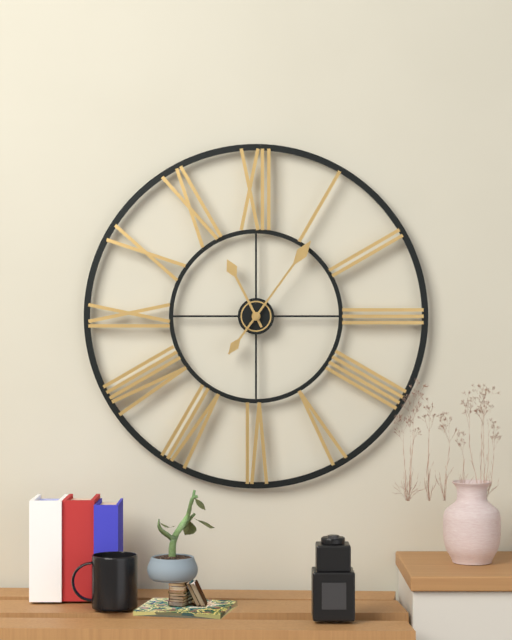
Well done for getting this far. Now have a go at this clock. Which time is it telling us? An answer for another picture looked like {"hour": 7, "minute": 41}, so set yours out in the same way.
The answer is {"hour": 11, "minute": 6}
